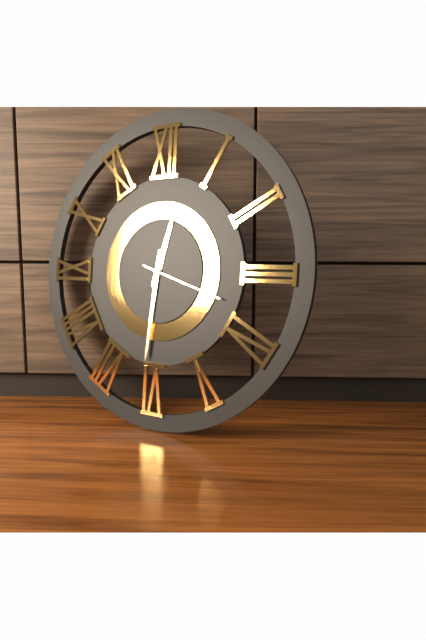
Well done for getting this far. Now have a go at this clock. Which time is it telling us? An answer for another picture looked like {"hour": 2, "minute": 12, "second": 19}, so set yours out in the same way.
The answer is {"hour": 12, "minute": 31, "second": 18}
